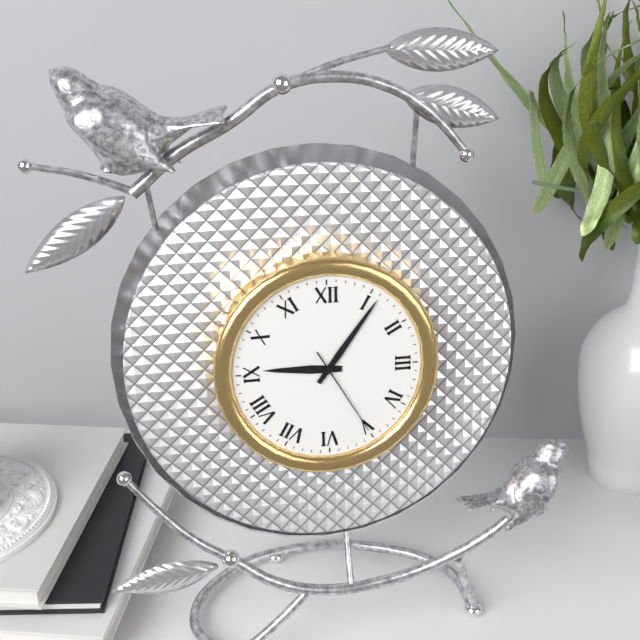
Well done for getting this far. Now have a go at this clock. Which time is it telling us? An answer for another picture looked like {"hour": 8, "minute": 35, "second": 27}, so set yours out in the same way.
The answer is {"hour": 9, "minute": 6, "second": 25}
